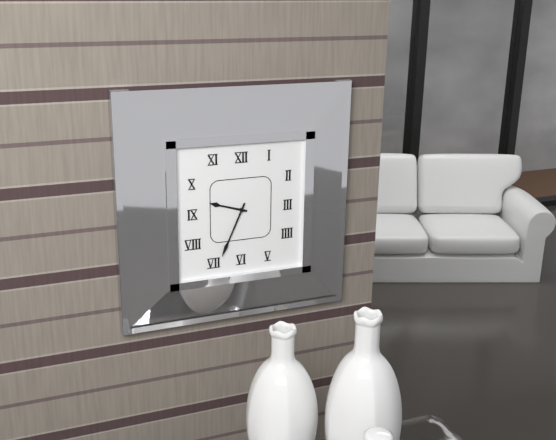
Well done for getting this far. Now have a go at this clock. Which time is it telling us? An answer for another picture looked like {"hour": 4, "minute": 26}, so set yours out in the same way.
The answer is {"hour": 9, "minute": 34}
